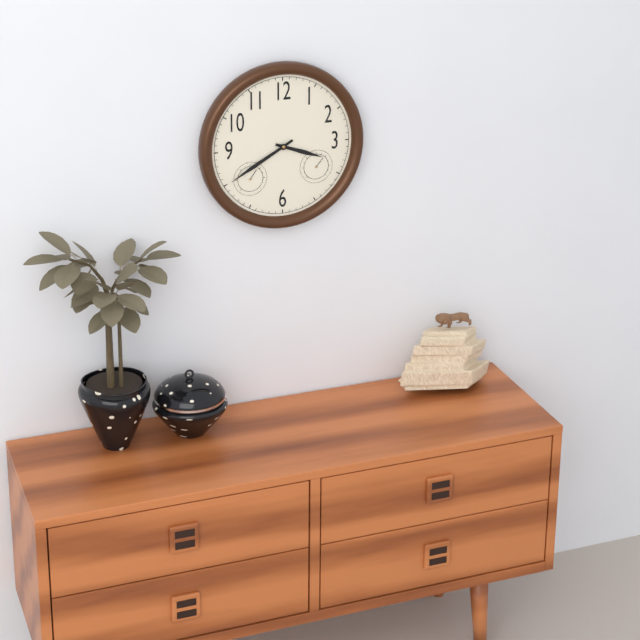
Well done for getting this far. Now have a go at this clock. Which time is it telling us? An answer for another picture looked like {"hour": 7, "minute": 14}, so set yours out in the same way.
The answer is {"hour": 3, "minute": 40}
